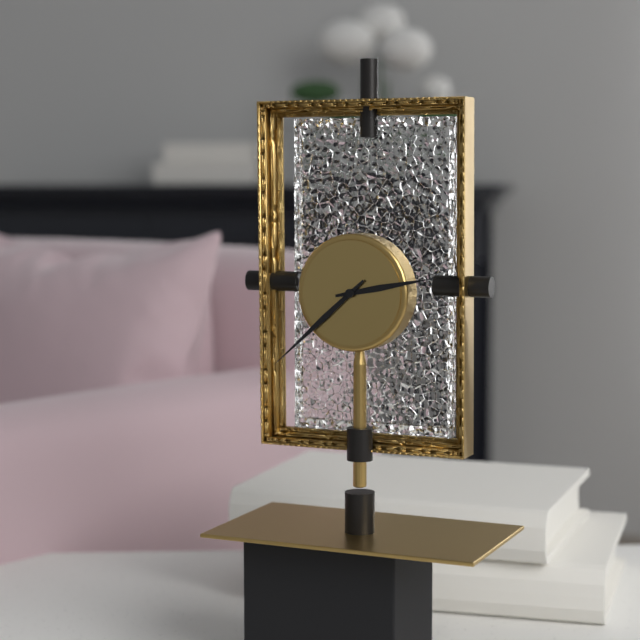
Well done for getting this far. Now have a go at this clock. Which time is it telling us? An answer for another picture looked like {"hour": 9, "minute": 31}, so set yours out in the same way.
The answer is {"hour": 2, "minute": 38}
